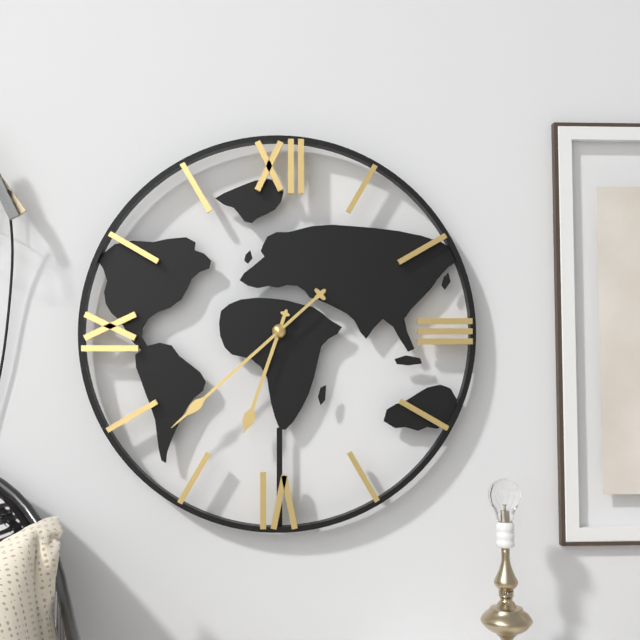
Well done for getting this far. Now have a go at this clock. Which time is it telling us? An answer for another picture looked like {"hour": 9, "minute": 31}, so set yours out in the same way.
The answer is {"hour": 6, "minute": 38}
